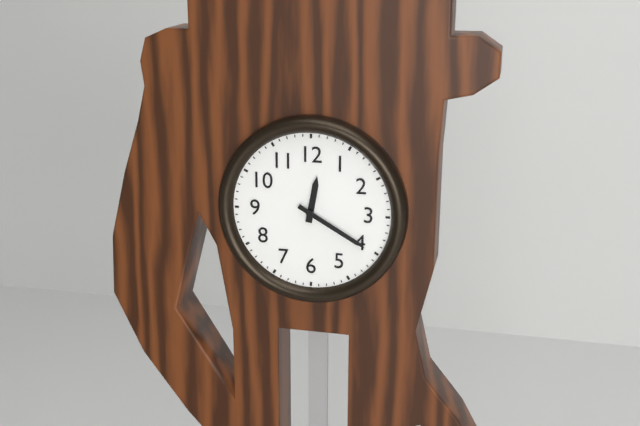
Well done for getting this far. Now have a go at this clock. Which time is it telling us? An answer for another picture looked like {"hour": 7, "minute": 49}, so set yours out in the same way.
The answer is {"hour": 12, "minute": 20}
